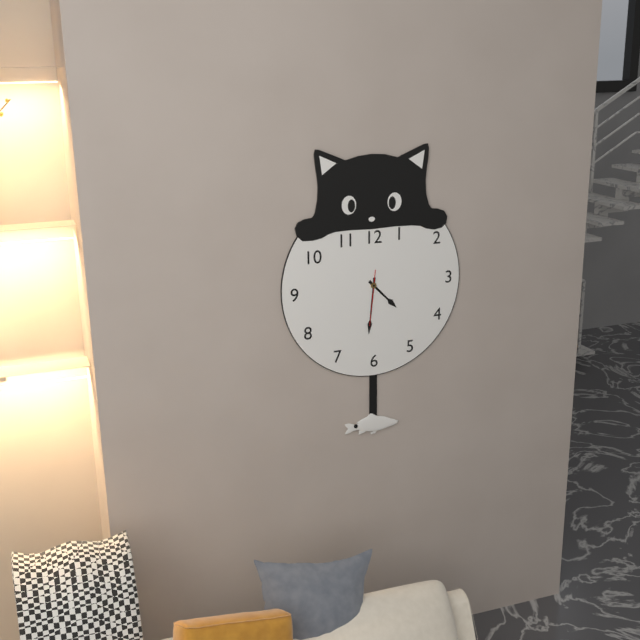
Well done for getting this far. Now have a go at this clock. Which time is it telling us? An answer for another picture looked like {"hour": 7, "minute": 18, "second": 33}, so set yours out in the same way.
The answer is {"hour": 4, "minute": 31, "second": 31}
